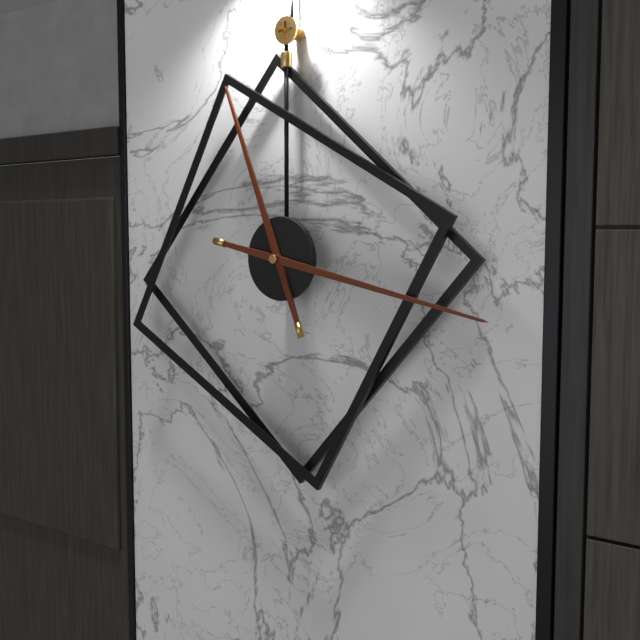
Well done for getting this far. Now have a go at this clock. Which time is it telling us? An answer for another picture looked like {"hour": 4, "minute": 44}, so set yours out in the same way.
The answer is {"hour": 11, "minute": 17}
